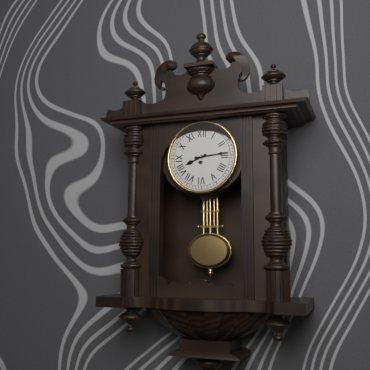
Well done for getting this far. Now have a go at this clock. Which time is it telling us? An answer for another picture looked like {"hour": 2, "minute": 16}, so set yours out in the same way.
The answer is {"hour": 8, "minute": 14}
